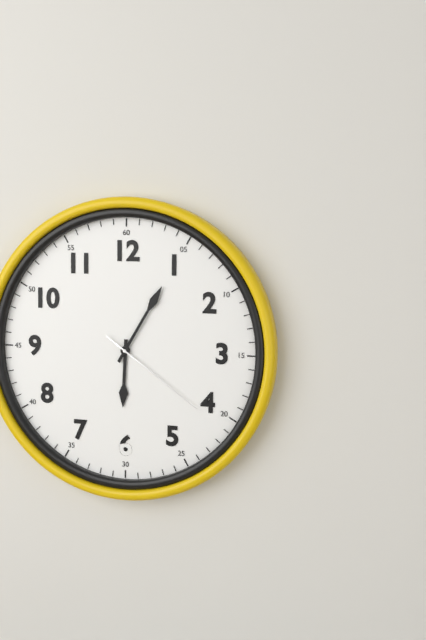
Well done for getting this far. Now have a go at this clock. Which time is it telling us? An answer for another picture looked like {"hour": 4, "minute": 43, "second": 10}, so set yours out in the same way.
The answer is {"hour": 6, "minute": 5, "second": 21}
